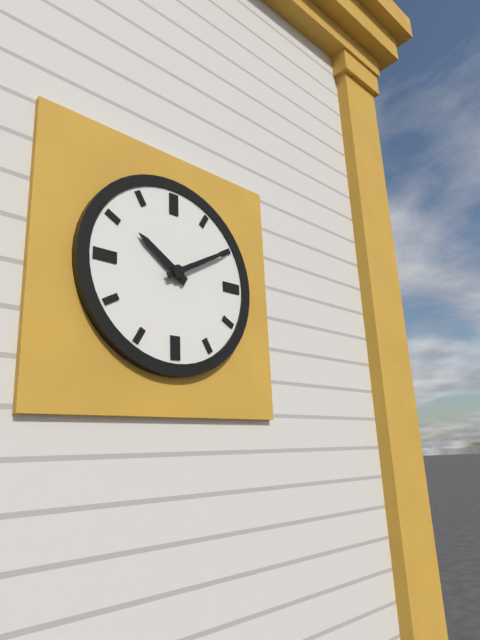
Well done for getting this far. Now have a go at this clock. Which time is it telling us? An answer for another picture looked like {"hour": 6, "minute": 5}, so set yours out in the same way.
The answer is {"hour": 10, "minute": 10}
